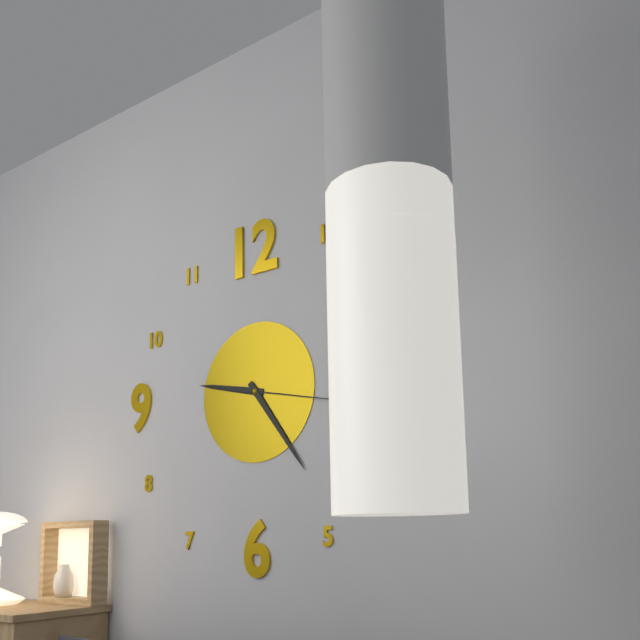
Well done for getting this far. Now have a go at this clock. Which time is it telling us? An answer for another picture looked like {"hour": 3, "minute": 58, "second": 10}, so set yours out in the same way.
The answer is {"hour": 9, "minute": 24, "second": 17}
